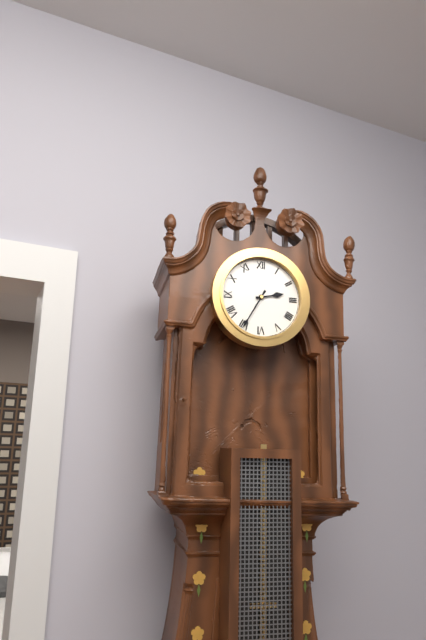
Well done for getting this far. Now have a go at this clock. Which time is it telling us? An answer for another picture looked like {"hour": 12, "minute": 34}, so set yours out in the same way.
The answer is {"hour": 2, "minute": 35}
